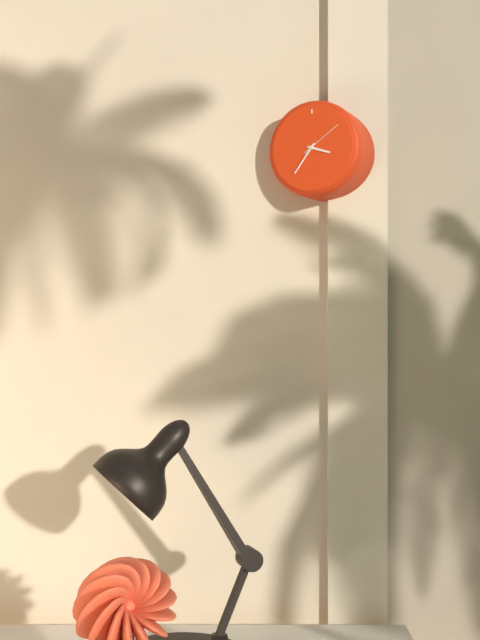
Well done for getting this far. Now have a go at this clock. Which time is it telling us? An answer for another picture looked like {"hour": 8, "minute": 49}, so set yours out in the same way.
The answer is {"hour": 3, "minute": 36}
